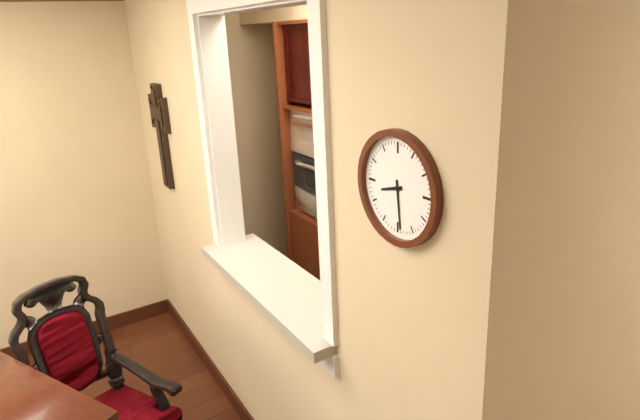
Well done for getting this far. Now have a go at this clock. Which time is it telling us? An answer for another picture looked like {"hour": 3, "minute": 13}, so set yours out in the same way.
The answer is {"hour": 8, "minute": 29}
